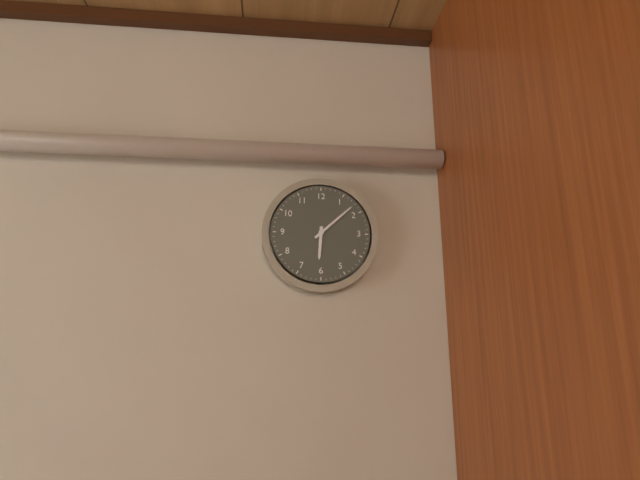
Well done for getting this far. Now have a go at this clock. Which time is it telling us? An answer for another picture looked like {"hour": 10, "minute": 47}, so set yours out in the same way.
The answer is {"hour": 6, "minute": 8}
